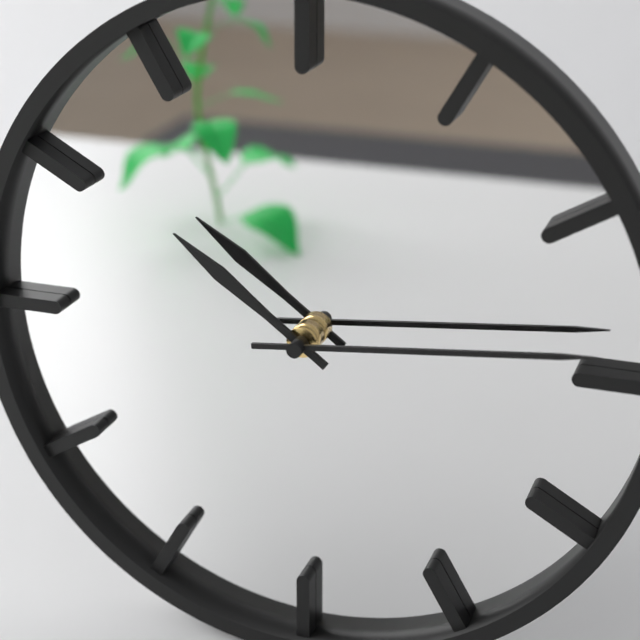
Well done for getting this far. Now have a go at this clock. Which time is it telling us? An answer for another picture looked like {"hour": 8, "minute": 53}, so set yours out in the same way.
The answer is {"hour": 10, "minute": 14}
